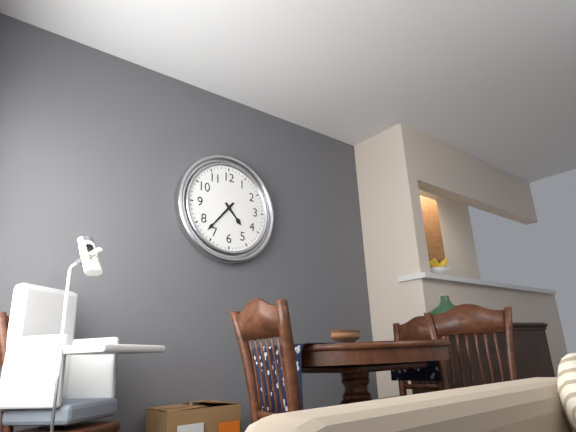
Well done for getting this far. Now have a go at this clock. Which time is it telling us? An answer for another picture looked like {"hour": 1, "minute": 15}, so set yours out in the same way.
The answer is {"hour": 4, "minute": 37}
